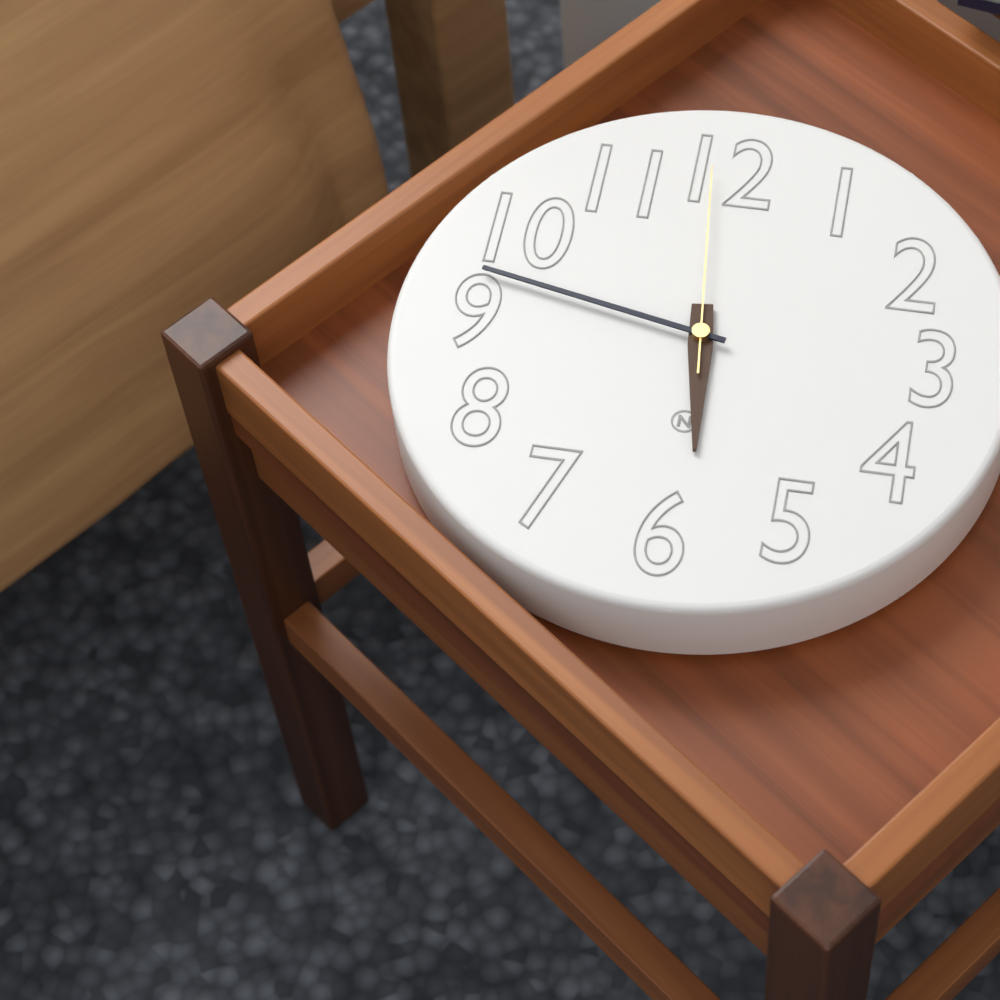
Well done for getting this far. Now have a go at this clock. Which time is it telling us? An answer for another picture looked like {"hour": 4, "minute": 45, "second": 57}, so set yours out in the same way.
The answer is {"hour": 5, "minute": 47, "second": 59}
